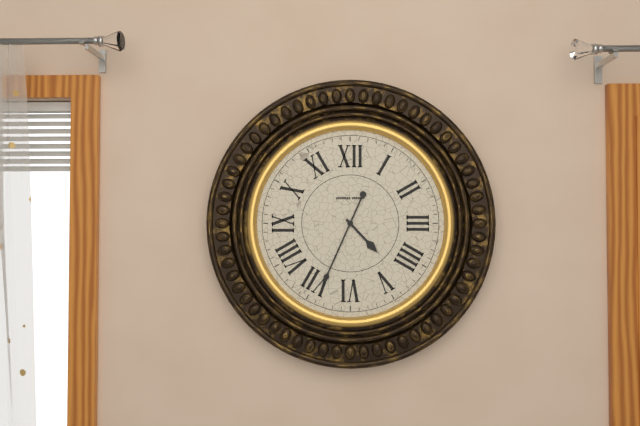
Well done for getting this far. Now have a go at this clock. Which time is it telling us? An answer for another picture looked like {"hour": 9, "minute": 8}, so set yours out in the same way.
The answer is {"hour": 4, "minute": 34}
